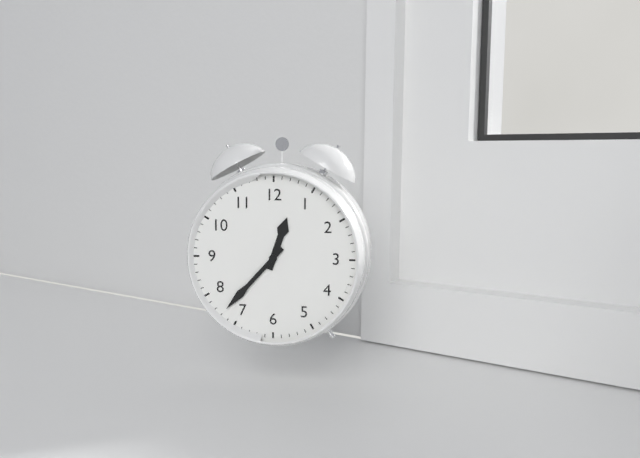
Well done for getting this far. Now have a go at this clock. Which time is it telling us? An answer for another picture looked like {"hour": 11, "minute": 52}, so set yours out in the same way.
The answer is {"hour": 12, "minute": 37}
